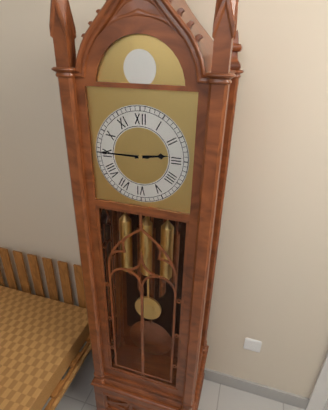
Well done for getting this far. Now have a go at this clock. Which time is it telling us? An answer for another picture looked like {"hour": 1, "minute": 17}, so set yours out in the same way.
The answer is {"hour": 2, "minute": 45}
